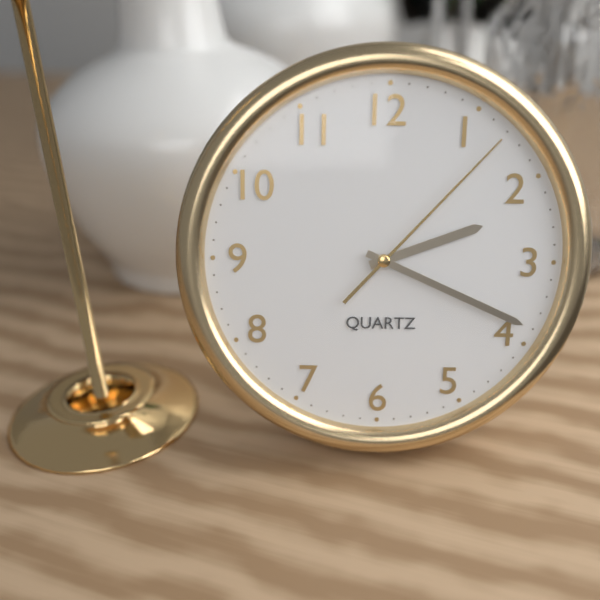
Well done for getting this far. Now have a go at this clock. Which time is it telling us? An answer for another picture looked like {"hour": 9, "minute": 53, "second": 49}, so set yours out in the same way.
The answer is {"hour": 2, "minute": 19, "second": 7}
